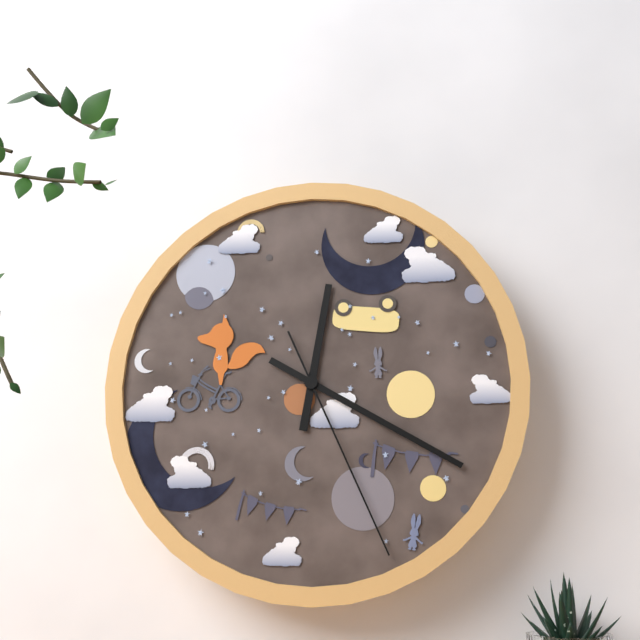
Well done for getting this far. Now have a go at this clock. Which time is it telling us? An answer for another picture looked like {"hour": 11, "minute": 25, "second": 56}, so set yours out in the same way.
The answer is {"hour": 12, "minute": 20, "second": 26}
